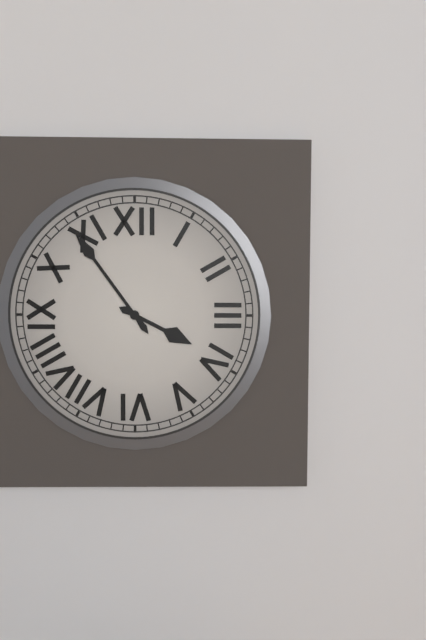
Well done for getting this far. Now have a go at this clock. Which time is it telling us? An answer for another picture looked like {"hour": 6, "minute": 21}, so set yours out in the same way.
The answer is {"hour": 3, "minute": 54}
